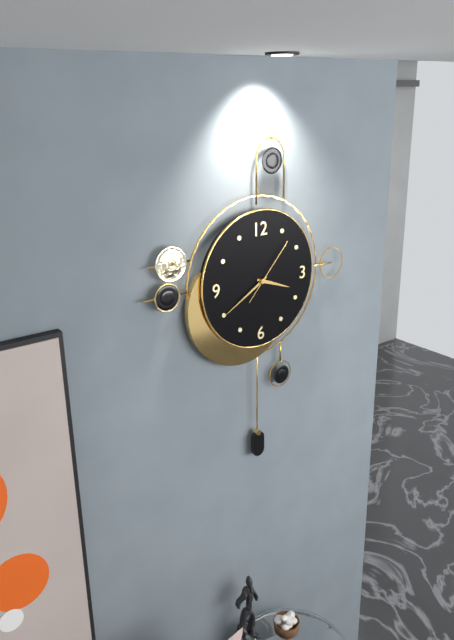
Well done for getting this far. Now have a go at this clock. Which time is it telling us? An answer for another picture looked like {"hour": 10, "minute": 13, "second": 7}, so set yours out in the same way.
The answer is {"hour": 3, "minute": 40, "second": 7}
